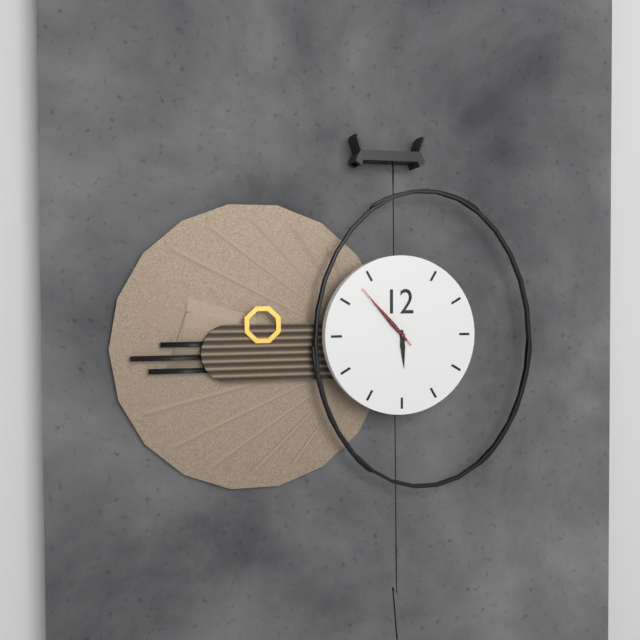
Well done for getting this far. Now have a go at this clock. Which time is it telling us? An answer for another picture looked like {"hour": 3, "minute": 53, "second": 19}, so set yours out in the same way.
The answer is {"hour": 5, "minute": 53, "second": 53}
